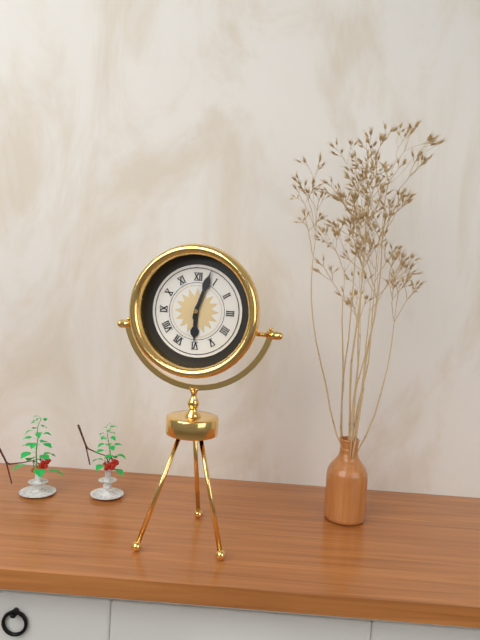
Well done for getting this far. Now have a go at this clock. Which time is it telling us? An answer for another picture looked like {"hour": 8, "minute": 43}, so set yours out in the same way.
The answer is {"hour": 6, "minute": 3}
